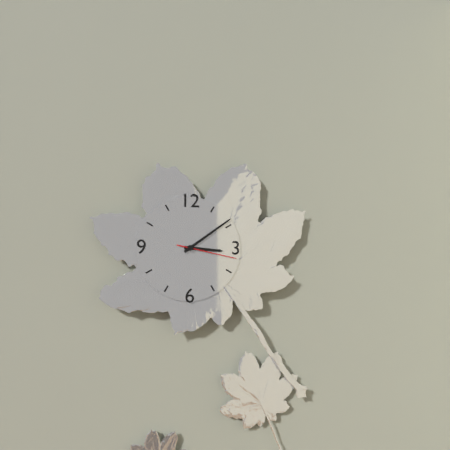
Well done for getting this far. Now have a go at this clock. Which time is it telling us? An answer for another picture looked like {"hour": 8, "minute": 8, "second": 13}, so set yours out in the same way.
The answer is {"hour": 3, "minute": 9, "second": 17}
